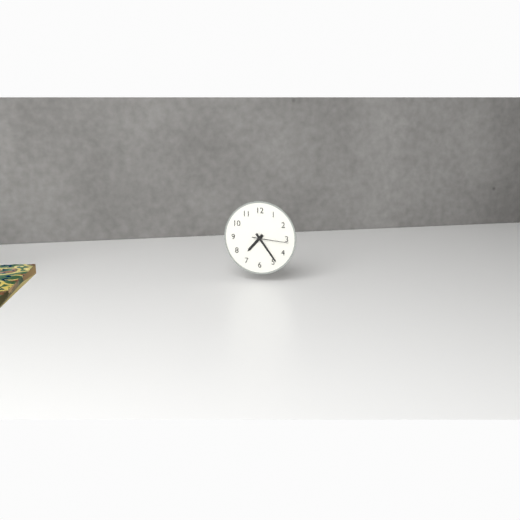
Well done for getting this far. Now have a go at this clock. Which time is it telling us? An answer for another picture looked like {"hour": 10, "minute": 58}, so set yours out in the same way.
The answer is {"hour": 7, "minute": 24}
